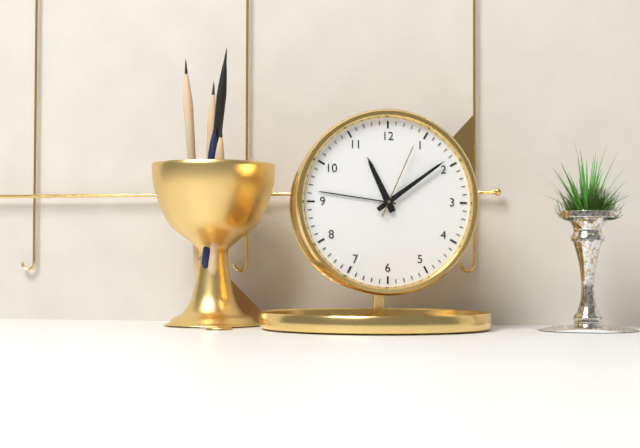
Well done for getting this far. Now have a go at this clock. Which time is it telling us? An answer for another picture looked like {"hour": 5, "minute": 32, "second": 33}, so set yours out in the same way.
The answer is {"hour": 11, "minute": 9, "second": 4}
